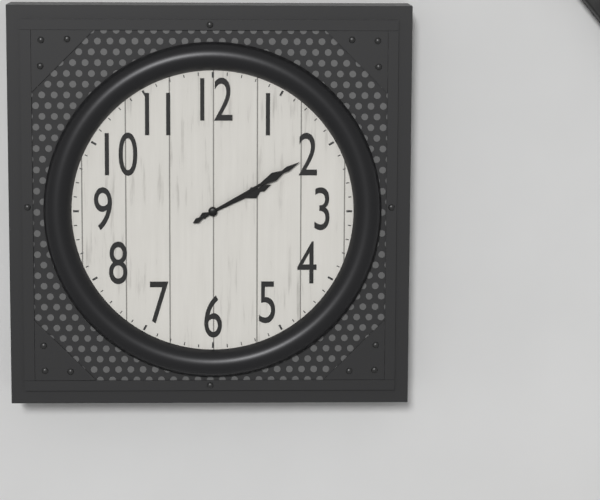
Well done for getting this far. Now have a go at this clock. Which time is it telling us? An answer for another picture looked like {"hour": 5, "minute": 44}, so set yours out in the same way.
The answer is {"hour": 2, "minute": 10}
